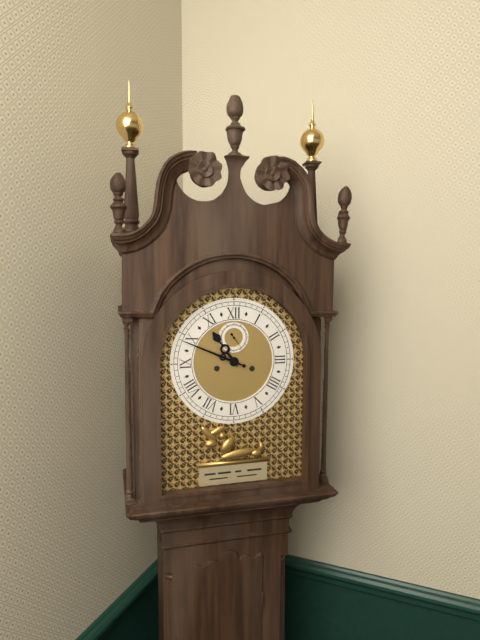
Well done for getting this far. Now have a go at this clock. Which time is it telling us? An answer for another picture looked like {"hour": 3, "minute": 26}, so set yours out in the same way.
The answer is {"hour": 10, "minute": 49}
